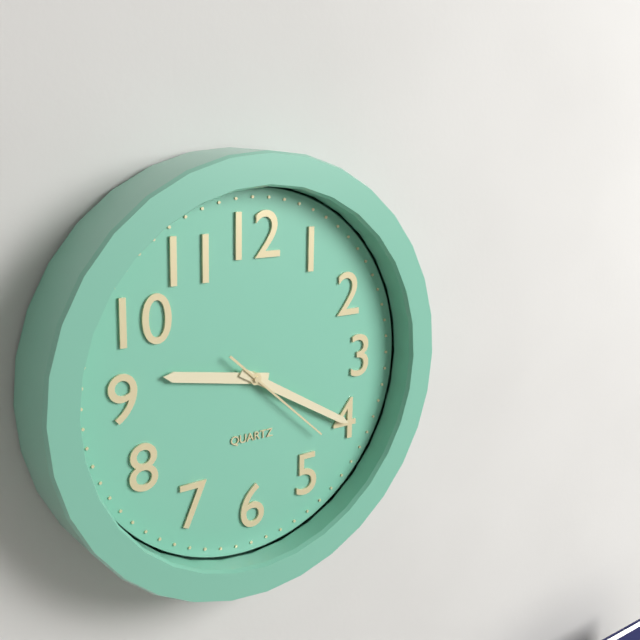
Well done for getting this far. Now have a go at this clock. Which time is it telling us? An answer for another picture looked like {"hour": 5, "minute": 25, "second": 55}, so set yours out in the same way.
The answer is {"hour": 9, "minute": 20, "second": 22}
